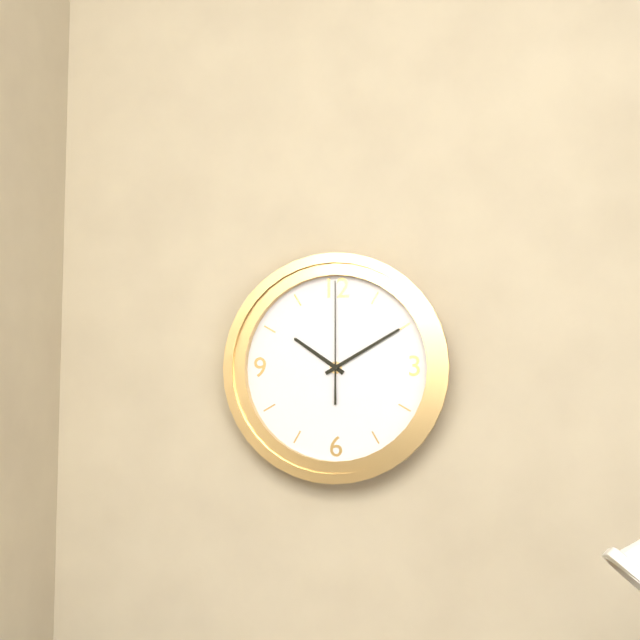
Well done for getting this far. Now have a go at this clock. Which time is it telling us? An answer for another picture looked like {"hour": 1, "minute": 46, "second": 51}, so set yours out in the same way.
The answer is {"hour": 10, "minute": 10, "second": 0}
